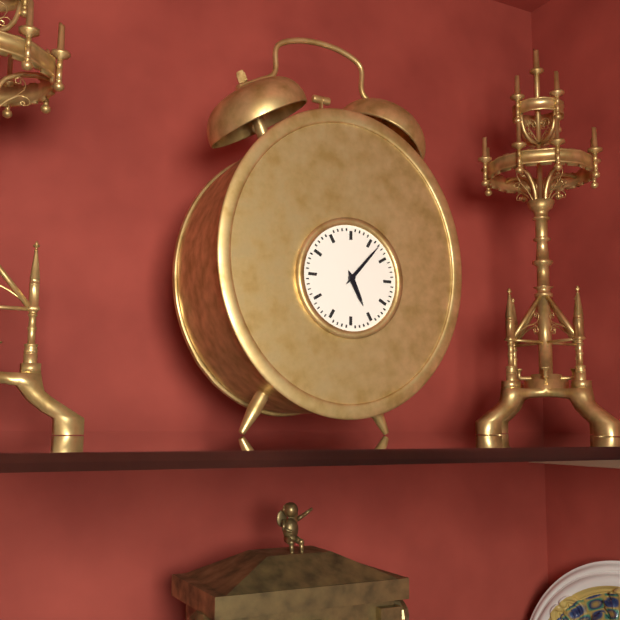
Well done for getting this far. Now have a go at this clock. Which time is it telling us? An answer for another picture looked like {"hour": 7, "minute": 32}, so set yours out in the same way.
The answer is {"hour": 5, "minute": 7}
